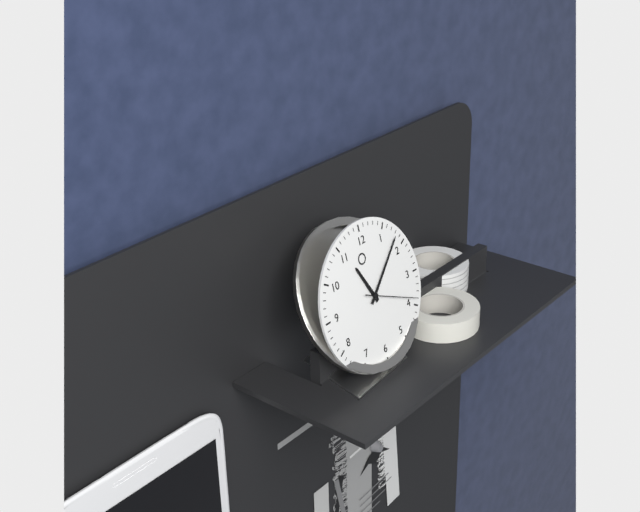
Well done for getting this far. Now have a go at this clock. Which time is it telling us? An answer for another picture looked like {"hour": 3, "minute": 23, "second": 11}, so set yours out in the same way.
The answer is {"hour": 11, "minute": 8, "second": 19}
